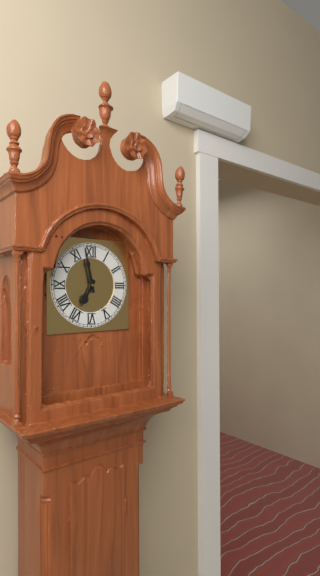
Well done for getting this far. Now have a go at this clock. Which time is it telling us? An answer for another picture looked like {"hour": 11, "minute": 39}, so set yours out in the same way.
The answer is {"hour": 6, "minute": 58}
